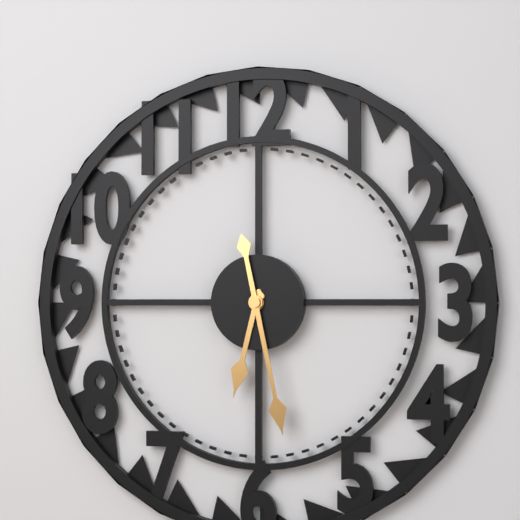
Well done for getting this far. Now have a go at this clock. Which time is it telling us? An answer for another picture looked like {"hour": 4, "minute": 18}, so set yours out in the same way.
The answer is {"hour": 6, "minute": 28}
